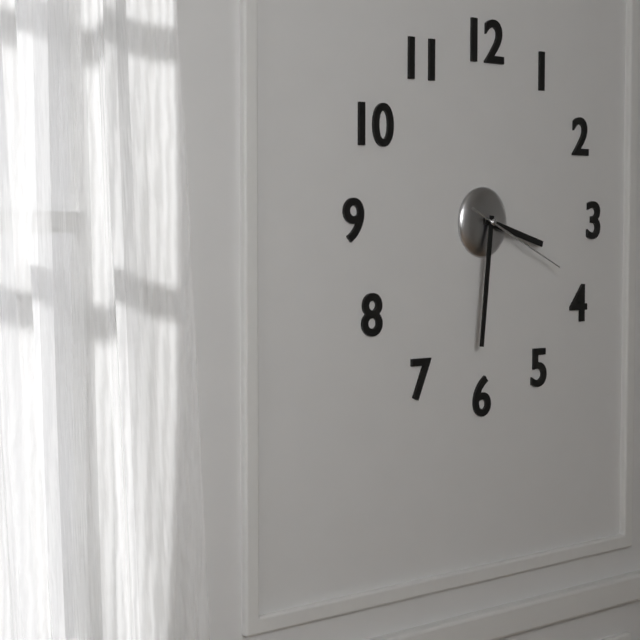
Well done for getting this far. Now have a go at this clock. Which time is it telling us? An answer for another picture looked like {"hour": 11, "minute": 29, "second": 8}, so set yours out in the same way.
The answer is {"hour": 3, "minute": 31, "second": 19}
